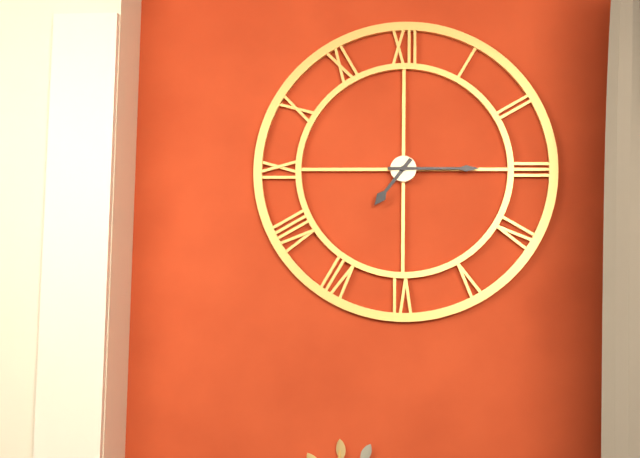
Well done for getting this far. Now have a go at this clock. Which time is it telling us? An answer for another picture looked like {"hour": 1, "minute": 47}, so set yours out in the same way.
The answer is {"hour": 7, "minute": 15}
